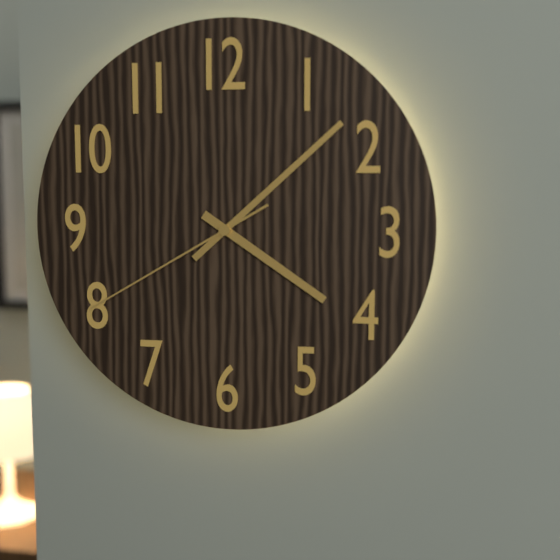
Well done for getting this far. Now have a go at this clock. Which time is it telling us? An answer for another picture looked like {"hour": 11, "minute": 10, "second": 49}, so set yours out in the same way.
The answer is {"hour": 4, "minute": 8, "second": 40}
